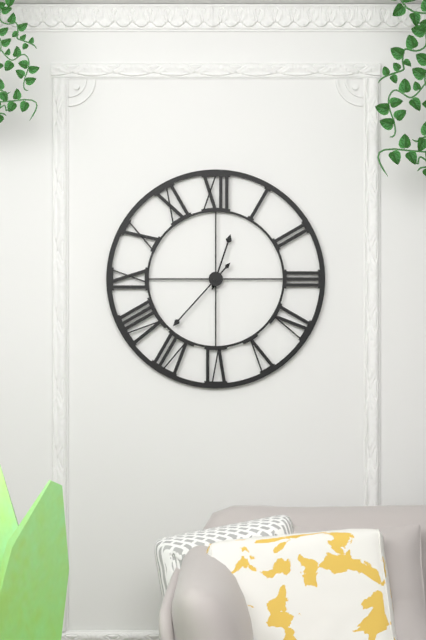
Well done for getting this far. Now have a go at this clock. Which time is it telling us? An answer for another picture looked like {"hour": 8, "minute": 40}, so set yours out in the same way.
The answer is {"hour": 12, "minute": 37}
